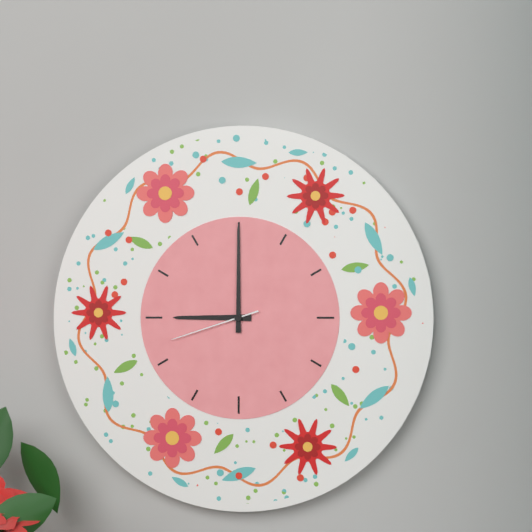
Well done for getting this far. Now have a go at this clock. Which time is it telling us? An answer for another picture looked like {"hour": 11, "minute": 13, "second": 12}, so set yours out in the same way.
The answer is {"hour": 9, "minute": 0, "second": 42}
